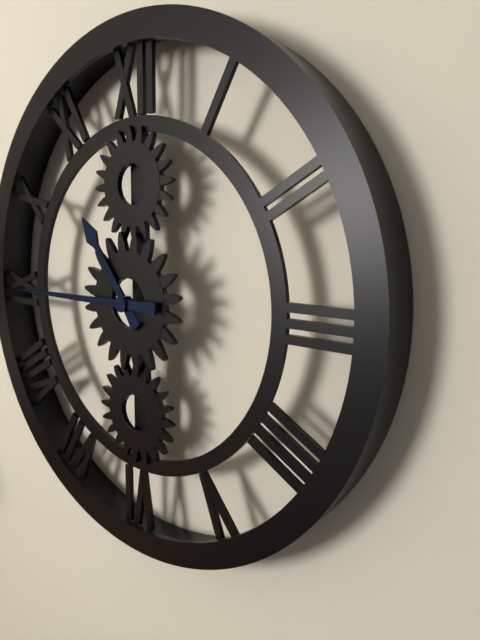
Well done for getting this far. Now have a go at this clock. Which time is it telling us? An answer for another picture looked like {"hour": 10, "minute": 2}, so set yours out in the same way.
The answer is {"hour": 10, "minute": 45}
